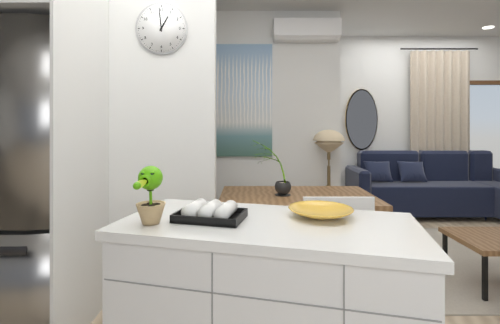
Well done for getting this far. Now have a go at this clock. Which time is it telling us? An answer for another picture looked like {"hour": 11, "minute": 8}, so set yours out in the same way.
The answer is {"hour": 12, "minute": 59}
